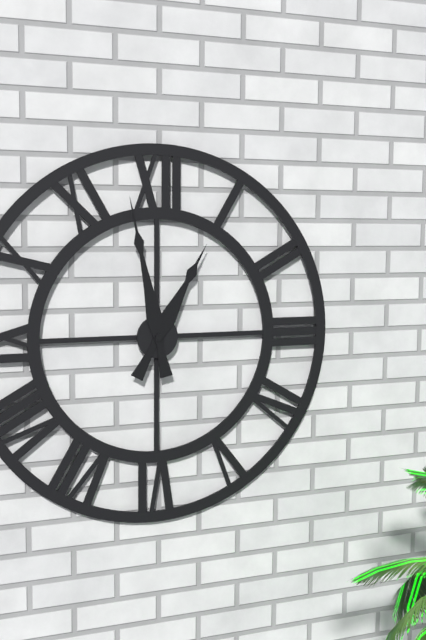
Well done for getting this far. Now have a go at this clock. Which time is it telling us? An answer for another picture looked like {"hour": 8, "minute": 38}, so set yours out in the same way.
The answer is {"hour": 12, "minute": 58}
